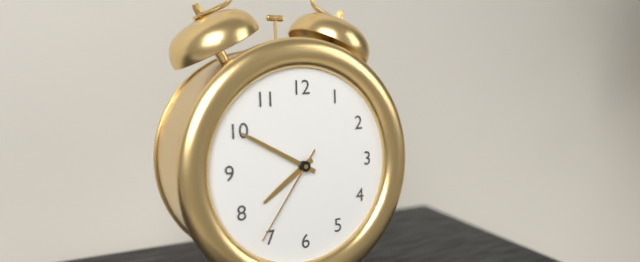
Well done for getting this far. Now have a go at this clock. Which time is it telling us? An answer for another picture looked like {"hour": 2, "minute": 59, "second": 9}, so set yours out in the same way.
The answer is {"hour": 7, "minute": 50, "second": 36}
